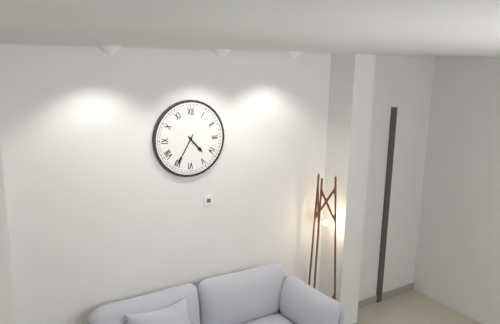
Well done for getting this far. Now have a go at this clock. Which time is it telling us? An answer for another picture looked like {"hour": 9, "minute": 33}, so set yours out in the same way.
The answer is {"hour": 4, "minute": 35}
